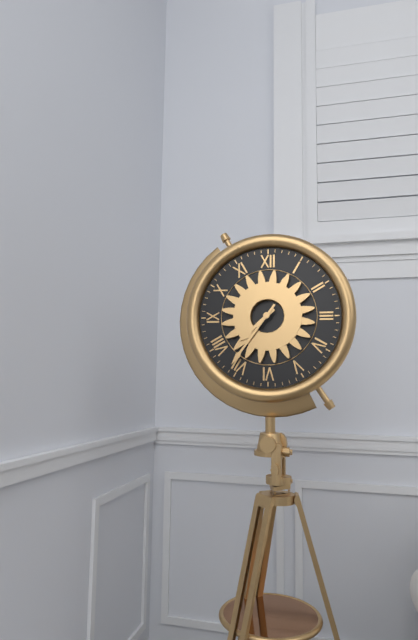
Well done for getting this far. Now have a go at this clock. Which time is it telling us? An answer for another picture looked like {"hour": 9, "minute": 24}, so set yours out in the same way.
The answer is {"hour": 7, "minute": 36}
